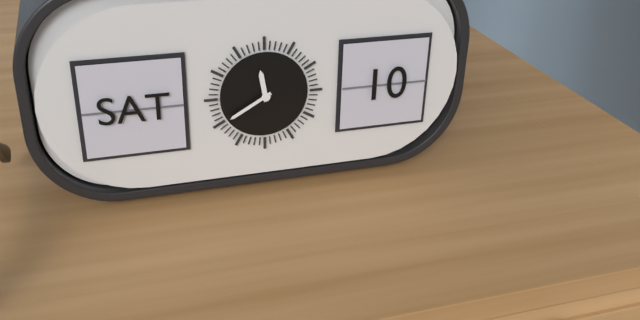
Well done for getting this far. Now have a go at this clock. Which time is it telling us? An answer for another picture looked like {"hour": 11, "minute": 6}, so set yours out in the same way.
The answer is {"hour": 11, "minute": 40}
